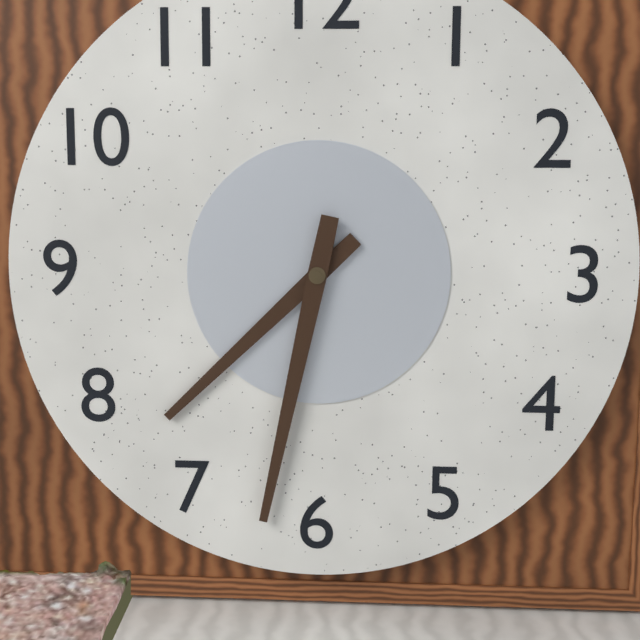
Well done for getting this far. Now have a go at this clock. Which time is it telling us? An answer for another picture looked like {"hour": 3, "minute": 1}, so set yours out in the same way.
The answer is {"hour": 7, "minute": 32}
